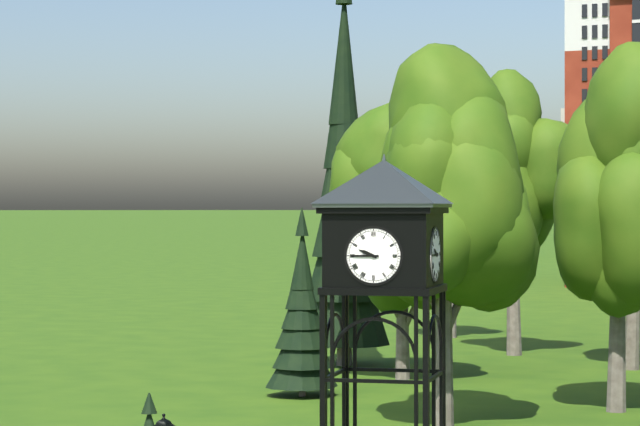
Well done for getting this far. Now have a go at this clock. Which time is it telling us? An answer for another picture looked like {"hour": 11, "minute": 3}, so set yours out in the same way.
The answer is {"hour": 9, "minute": 45}
